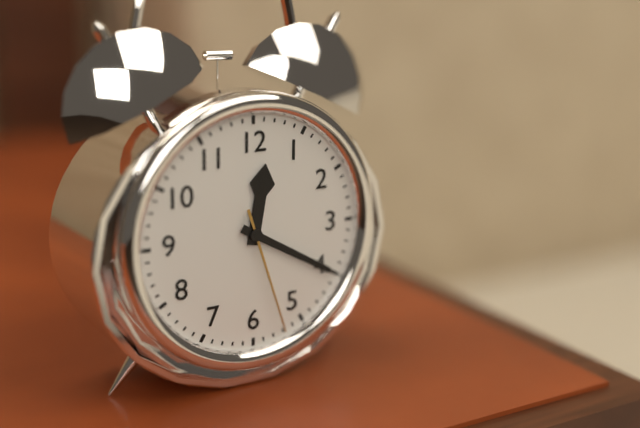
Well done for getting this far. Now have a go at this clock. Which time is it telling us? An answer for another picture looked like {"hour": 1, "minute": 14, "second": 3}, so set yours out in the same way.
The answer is {"hour": 12, "minute": 20, "second": 27}
